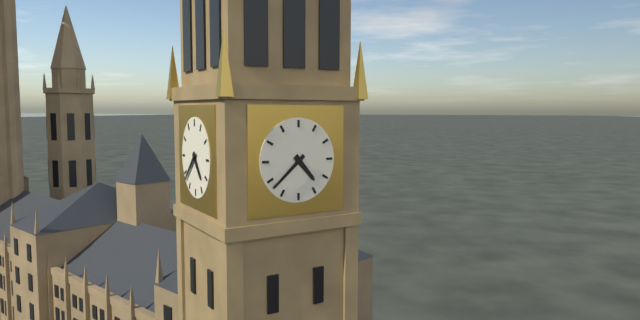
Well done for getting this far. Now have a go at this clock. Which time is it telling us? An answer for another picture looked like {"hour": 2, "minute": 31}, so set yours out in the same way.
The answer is {"hour": 4, "minute": 38}
